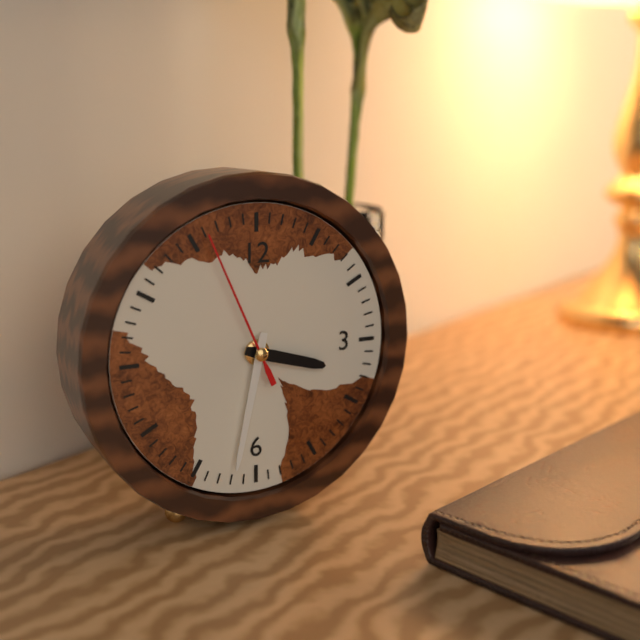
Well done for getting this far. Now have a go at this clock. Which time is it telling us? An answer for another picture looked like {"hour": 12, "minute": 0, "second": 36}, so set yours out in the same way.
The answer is {"hour": 3, "minute": 32, "second": 56}
